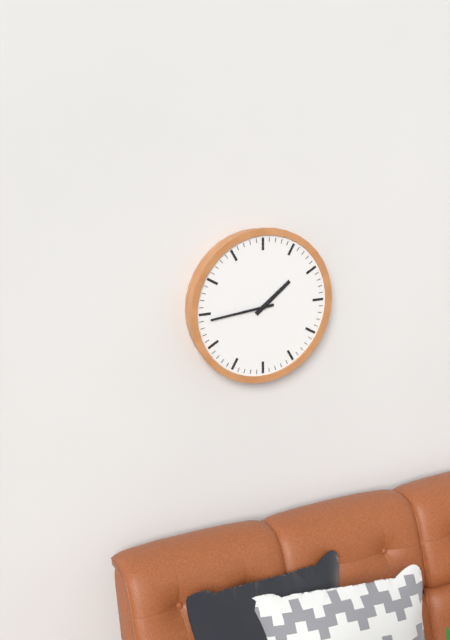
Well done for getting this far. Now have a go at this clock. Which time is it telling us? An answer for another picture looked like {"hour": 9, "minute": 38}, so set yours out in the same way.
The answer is {"hour": 1, "minute": 44}
